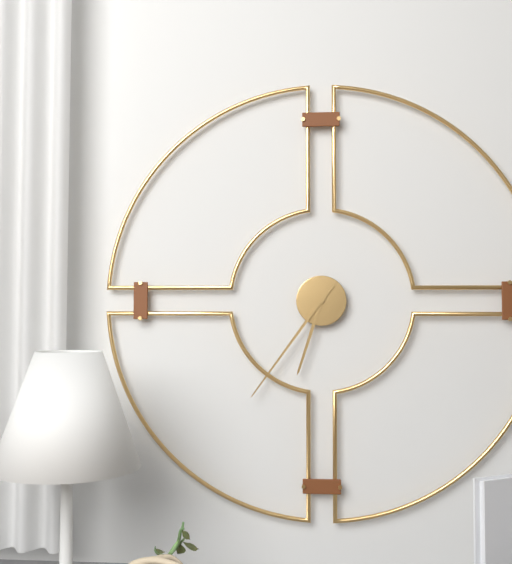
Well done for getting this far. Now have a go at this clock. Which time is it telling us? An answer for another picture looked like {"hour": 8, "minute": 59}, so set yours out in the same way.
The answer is {"hour": 6, "minute": 36}
